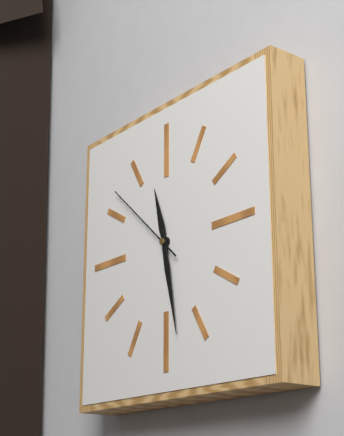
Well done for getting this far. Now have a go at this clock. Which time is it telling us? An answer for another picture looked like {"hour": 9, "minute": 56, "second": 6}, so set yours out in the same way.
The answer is {"hour": 11, "minute": 28, "second": 52}
